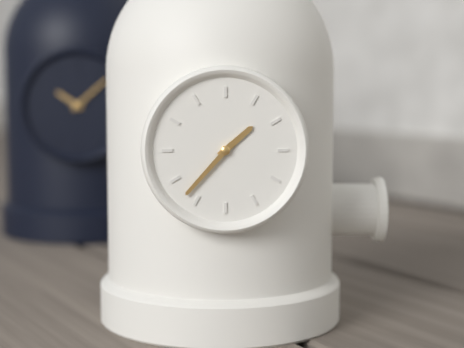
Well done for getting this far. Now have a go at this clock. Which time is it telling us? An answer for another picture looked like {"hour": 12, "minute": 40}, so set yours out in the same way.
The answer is {"hour": 1, "minute": 37}
